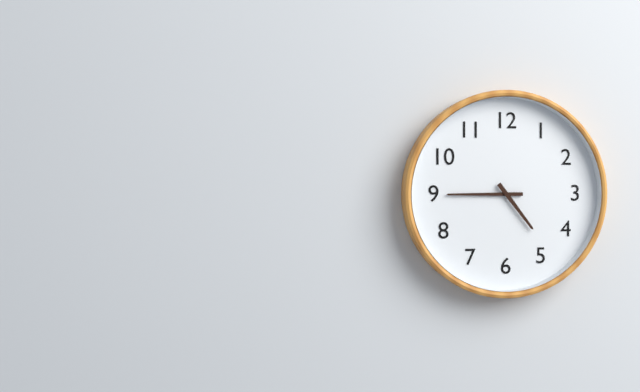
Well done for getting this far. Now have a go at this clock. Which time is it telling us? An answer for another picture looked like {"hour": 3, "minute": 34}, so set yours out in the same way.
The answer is {"hour": 4, "minute": 45}
